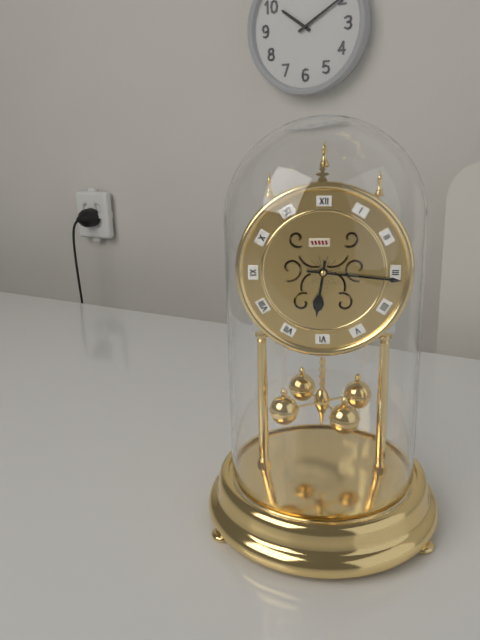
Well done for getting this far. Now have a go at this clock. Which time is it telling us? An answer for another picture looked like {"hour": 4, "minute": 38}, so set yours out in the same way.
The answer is {"hour": 6, "minute": 16}
